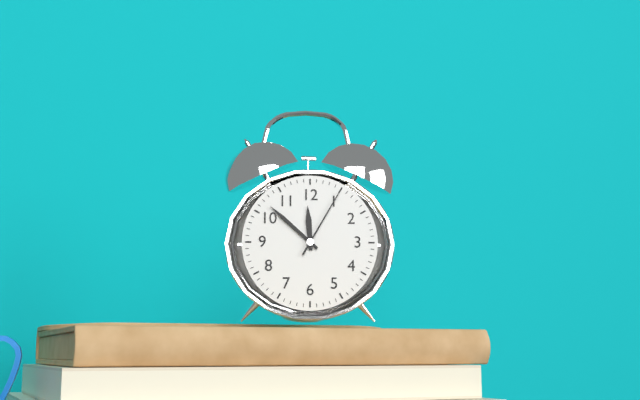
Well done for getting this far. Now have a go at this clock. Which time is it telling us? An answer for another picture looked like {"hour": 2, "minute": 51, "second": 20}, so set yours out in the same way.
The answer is {"hour": 11, "minute": 52, "second": 5}
